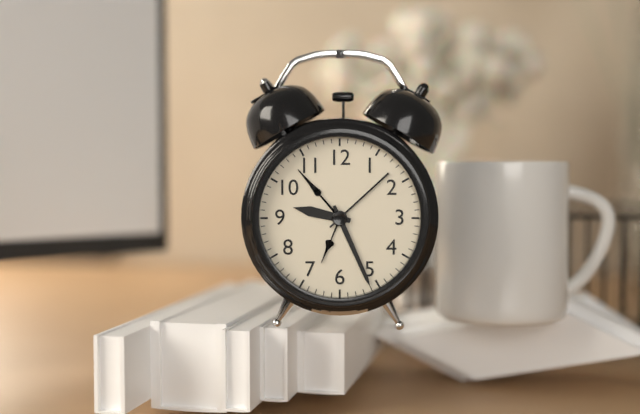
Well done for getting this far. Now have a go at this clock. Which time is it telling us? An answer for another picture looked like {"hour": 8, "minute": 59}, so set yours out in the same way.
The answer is {"hour": 9, "minute": 26}
